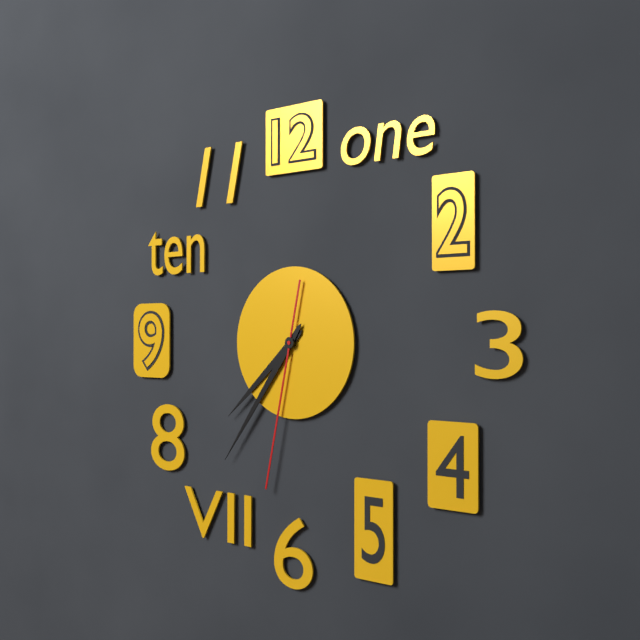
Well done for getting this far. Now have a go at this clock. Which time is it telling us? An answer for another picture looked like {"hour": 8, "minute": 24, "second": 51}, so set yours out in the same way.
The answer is {"hour": 7, "minute": 36, "second": 32}
